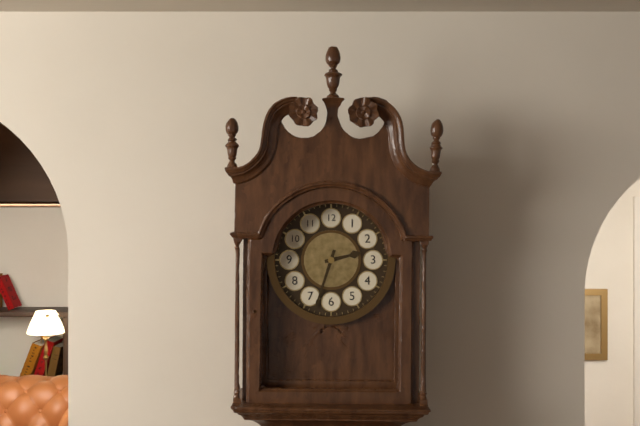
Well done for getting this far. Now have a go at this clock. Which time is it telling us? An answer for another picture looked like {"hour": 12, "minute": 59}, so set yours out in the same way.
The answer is {"hour": 2, "minute": 33}
